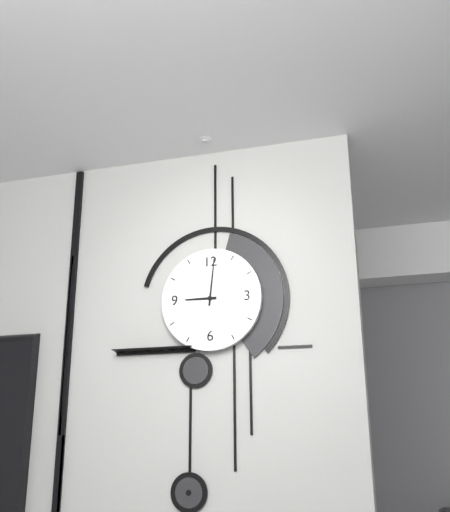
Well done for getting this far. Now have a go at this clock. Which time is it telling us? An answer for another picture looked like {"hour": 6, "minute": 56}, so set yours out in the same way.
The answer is {"hour": 9, "minute": 1}
